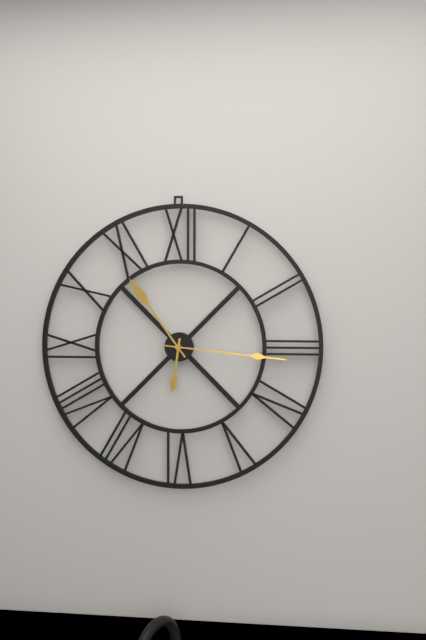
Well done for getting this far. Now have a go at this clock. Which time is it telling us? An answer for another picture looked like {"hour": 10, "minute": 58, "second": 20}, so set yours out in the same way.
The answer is {"hour": 6, "minute": 16, "second": 54}
